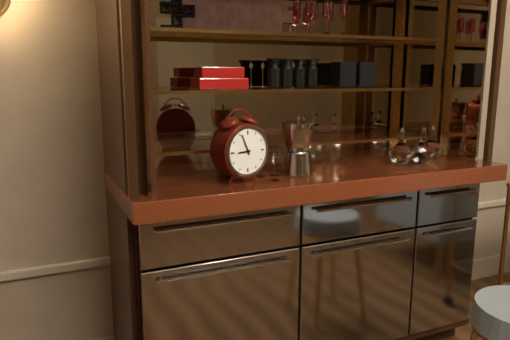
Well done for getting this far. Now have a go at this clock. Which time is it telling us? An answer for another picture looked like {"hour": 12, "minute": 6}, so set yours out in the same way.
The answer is {"hour": 8, "minute": 56}
